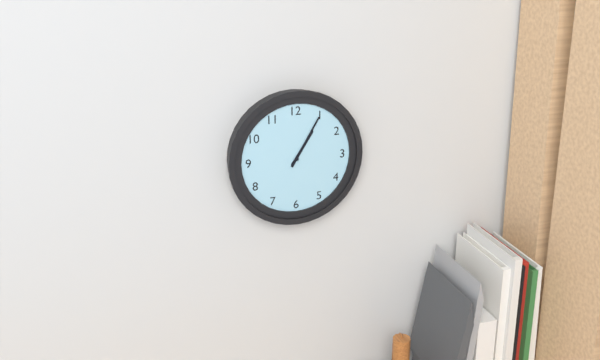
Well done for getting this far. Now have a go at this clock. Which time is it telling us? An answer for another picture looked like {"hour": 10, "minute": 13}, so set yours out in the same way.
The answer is {"hour": 1, "minute": 5}
